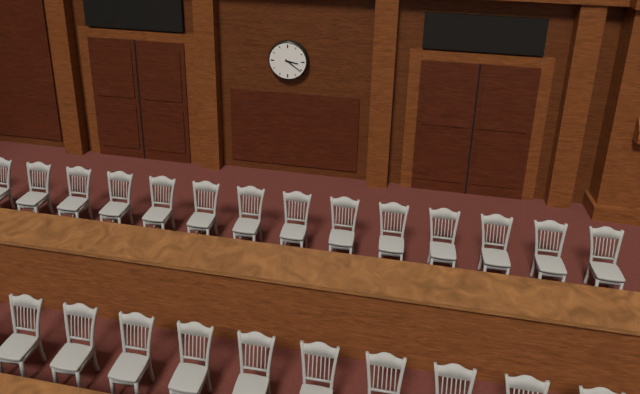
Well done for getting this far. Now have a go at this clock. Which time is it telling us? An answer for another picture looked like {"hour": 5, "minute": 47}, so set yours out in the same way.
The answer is {"hour": 3, "minute": 21}
